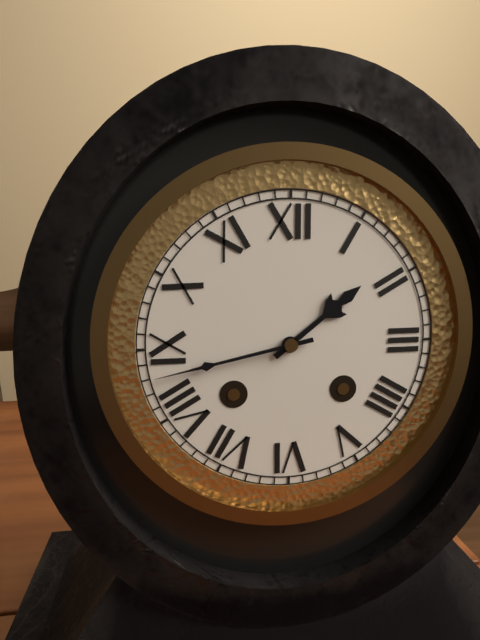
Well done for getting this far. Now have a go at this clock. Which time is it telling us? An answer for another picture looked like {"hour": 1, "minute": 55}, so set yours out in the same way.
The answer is {"hour": 1, "minute": 43}
